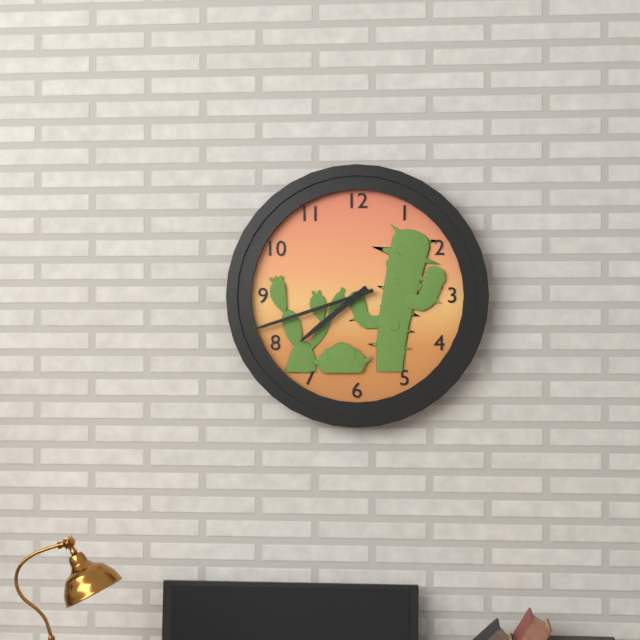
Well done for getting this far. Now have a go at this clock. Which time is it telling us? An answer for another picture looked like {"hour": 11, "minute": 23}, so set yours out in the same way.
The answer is {"hour": 7, "minute": 42}
